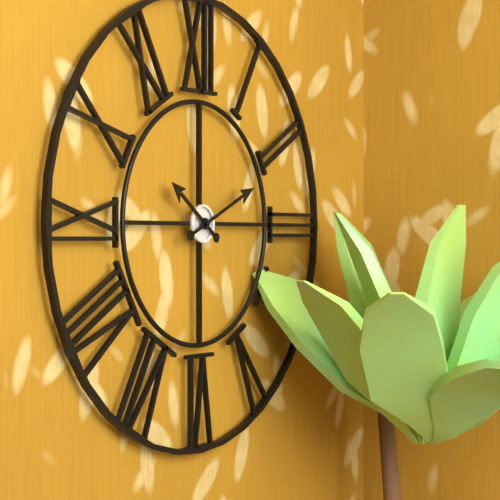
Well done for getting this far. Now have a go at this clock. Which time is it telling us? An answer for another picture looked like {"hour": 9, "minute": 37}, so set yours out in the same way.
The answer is {"hour": 10, "minute": 11}
